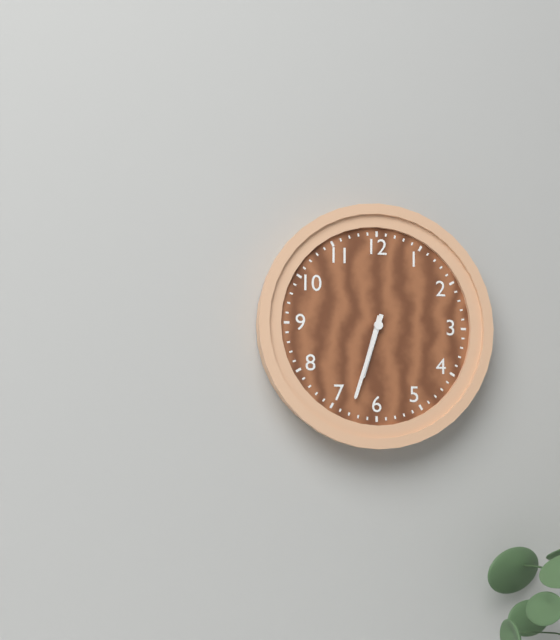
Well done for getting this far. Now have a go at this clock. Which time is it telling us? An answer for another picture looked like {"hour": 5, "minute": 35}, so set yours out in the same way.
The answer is {"hour": 6, "minute": 33}
